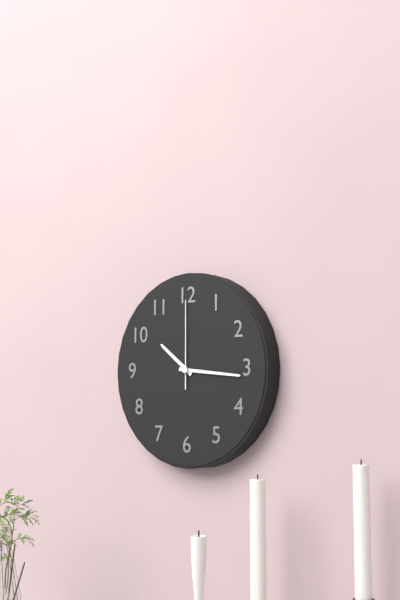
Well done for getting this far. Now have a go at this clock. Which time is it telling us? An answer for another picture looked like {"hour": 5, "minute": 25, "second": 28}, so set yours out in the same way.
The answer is {"hour": 10, "minute": 16, "second": 0}
